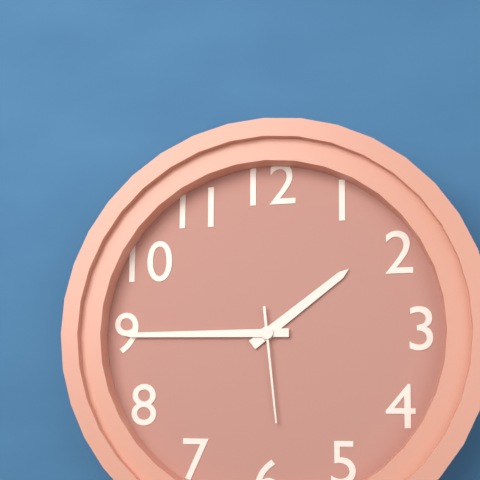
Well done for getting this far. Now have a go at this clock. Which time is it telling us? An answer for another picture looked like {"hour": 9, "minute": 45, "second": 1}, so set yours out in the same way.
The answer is {"hour": 1, "minute": 45, "second": 29}
